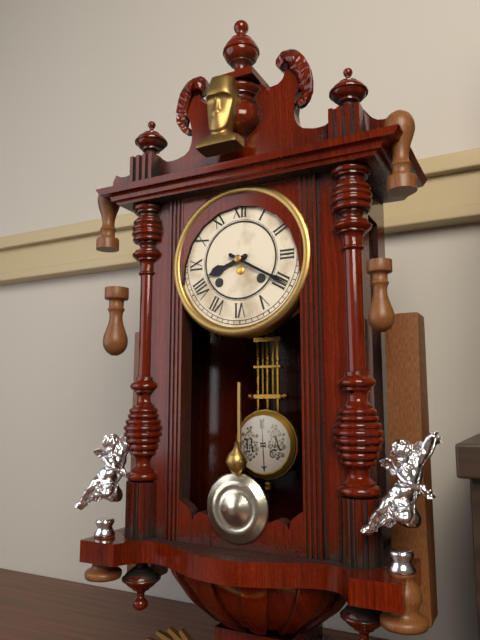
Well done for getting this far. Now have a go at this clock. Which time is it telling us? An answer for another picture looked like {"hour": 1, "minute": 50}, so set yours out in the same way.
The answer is {"hour": 8, "minute": 20}
